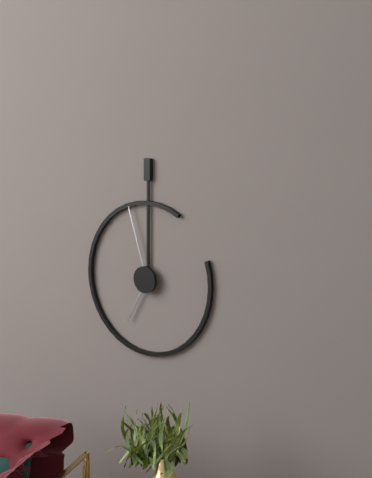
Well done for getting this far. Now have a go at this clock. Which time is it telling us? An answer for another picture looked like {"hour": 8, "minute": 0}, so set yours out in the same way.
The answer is {"hour": 6, "minute": 57}
